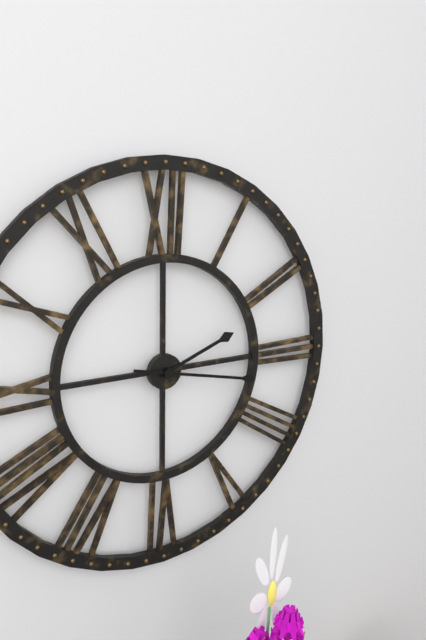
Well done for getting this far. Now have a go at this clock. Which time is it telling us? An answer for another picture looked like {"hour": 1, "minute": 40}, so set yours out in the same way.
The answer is {"hour": 2, "minute": 17}
